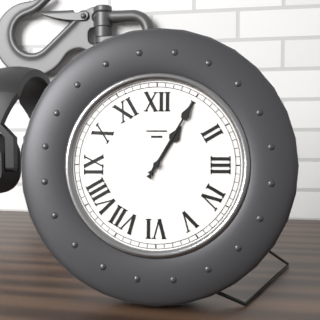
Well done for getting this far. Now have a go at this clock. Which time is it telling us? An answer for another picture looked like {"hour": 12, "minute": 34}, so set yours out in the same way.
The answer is {"hour": 1, "minute": 5}
